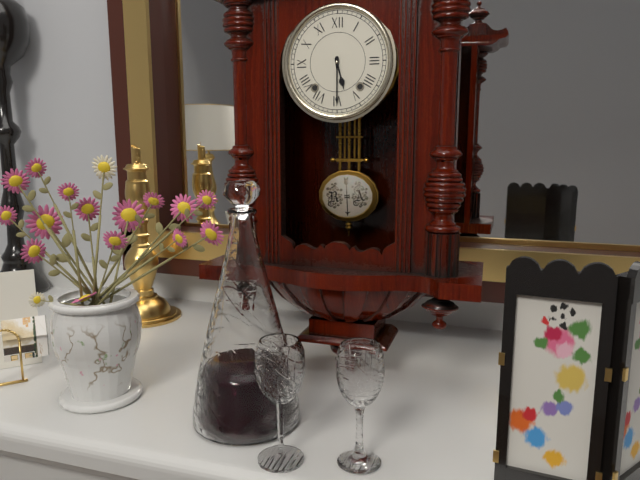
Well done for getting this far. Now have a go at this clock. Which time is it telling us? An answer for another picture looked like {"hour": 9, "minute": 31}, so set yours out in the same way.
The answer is {"hour": 5, "minute": 30}
